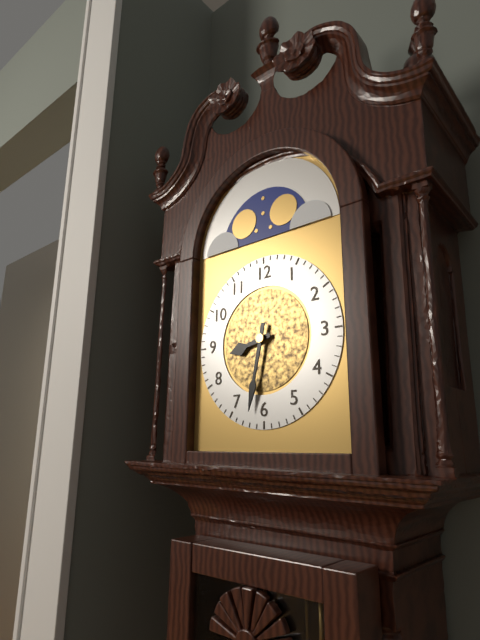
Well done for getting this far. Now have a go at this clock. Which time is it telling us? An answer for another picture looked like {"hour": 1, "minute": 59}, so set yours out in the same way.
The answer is {"hour": 8, "minute": 32}
